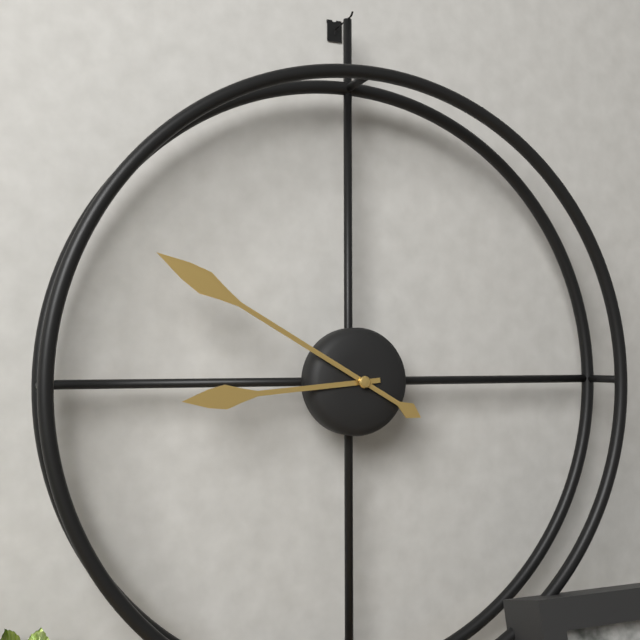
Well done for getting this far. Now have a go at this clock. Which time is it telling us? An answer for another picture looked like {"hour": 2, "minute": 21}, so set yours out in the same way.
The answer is {"hour": 8, "minute": 50}
